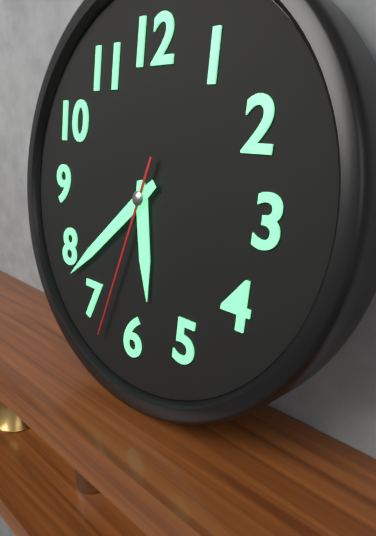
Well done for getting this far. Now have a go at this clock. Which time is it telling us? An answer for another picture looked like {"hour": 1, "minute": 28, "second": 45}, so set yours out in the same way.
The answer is {"hour": 5, "minute": 38, "second": 33}
